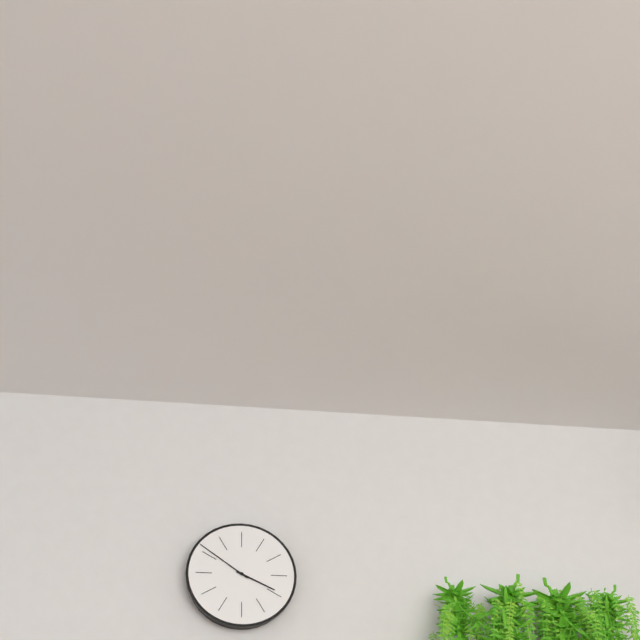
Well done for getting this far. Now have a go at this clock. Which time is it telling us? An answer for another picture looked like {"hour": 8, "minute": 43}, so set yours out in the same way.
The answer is {"hour": 3, "minute": 51}
